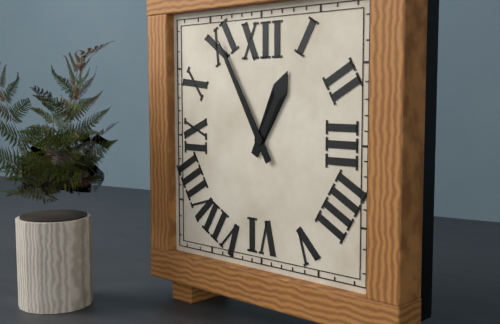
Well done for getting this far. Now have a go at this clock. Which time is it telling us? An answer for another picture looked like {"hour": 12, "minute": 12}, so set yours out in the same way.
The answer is {"hour": 12, "minute": 55}
